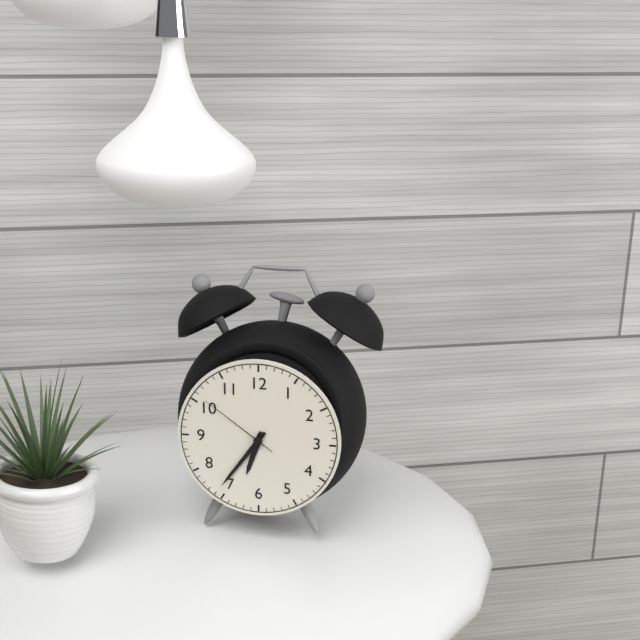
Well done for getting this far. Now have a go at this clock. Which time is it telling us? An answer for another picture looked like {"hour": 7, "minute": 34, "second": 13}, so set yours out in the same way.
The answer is {"hour": 6, "minute": 36, "second": 51}
